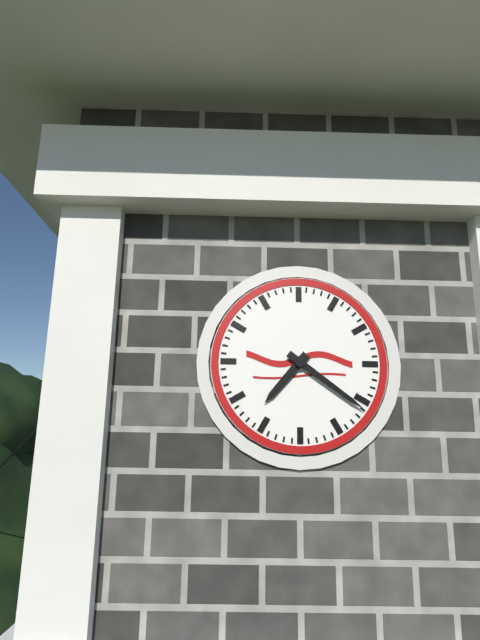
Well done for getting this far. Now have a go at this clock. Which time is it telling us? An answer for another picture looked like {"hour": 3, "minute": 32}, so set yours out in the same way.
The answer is {"hour": 7, "minute": 21}
